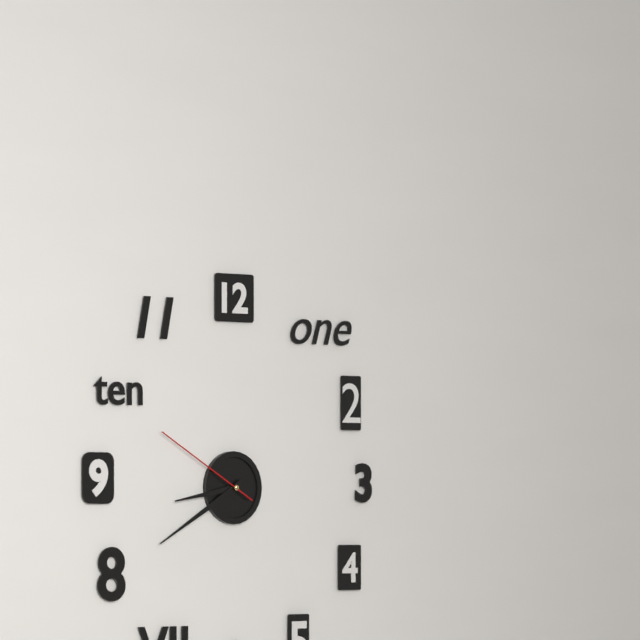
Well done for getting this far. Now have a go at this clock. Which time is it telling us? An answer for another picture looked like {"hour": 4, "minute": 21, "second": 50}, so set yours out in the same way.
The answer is {"hour": 8, "minute": 40, "second": 50}
